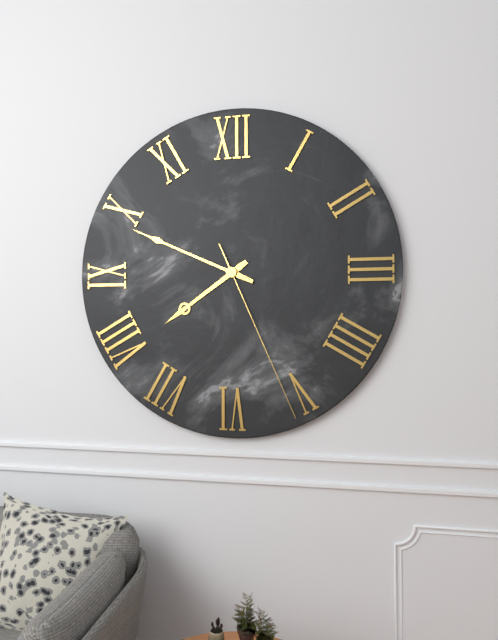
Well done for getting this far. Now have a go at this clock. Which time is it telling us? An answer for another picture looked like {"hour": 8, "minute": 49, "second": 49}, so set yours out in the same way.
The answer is {"hour": 7, "minute": 49, "second": 26}
